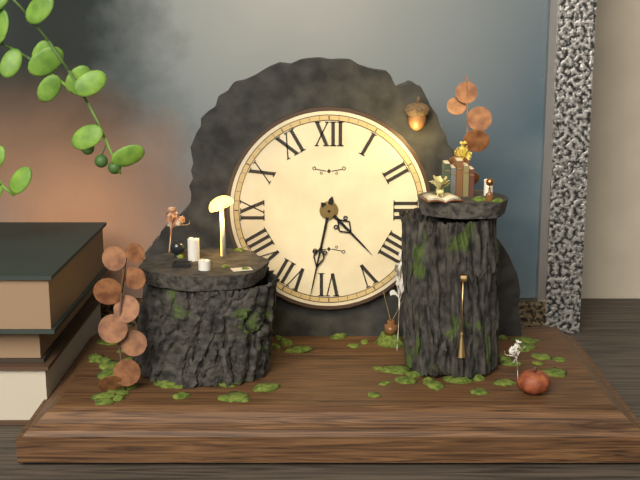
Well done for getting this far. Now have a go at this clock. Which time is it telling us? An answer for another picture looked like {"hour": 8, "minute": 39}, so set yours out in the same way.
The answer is {"hour": 4, "minute": 32}
